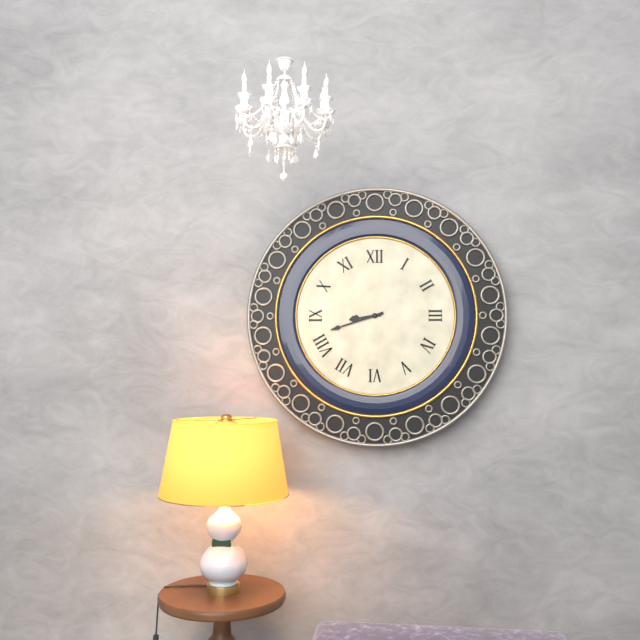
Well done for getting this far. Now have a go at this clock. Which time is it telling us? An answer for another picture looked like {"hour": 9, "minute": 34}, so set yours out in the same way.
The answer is {"hour": 8, "minute": 42}
